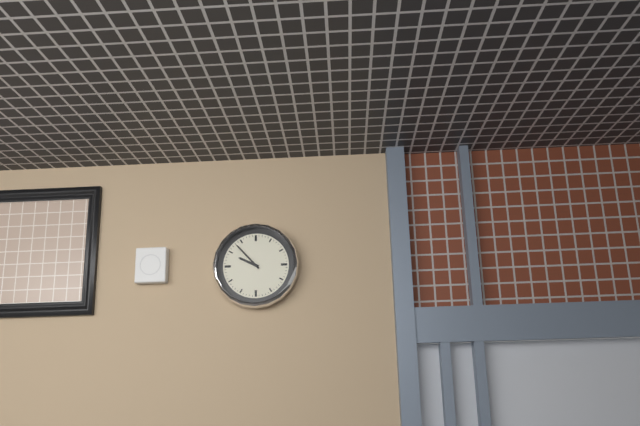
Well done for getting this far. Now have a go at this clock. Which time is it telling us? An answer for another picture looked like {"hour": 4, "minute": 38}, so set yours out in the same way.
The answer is {"hour": 9, "minute": 53}
